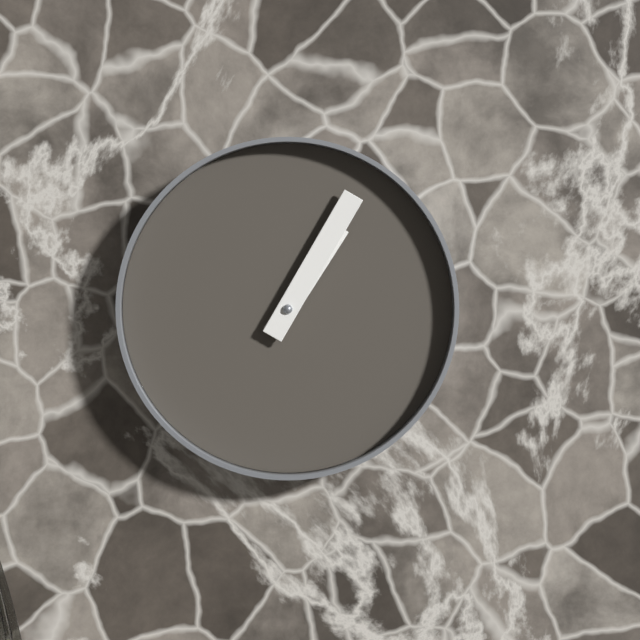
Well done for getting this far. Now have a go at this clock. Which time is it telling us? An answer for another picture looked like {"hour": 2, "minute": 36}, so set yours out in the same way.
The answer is {"hour": 1, "minute": 5}
